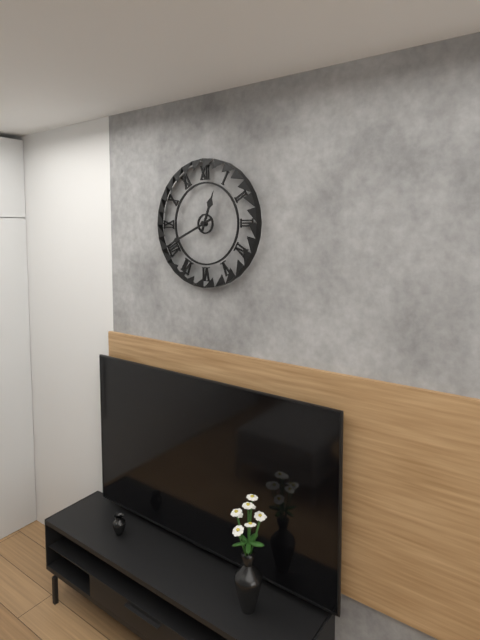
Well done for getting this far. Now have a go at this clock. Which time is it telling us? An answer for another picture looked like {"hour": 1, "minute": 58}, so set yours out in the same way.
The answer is {"hour": 12, "minute": 41}
